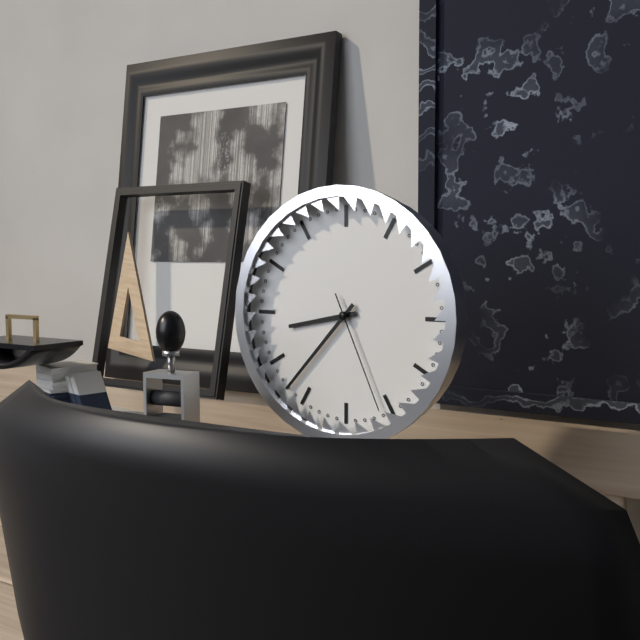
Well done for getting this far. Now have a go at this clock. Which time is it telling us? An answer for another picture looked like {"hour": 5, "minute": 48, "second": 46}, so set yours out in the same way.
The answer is {"hour": 8, "minute": 37, "second": 26}
